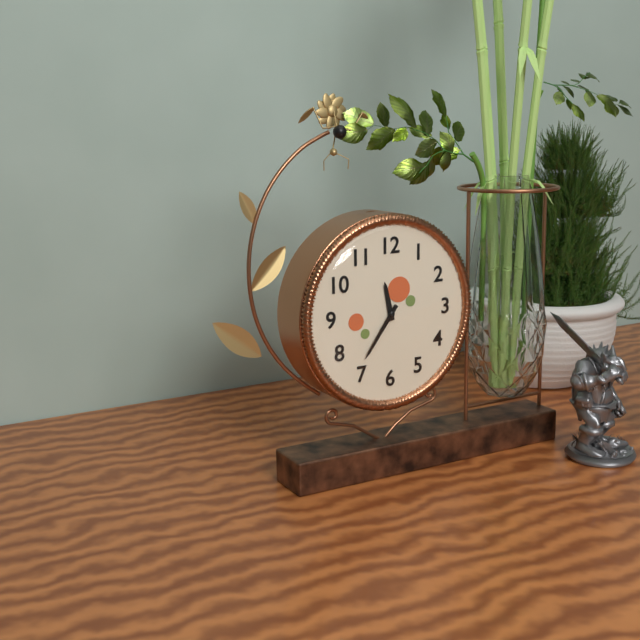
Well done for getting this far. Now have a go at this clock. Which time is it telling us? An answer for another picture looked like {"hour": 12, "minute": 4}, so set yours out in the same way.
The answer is {"hour": 11, "minute": 36}
